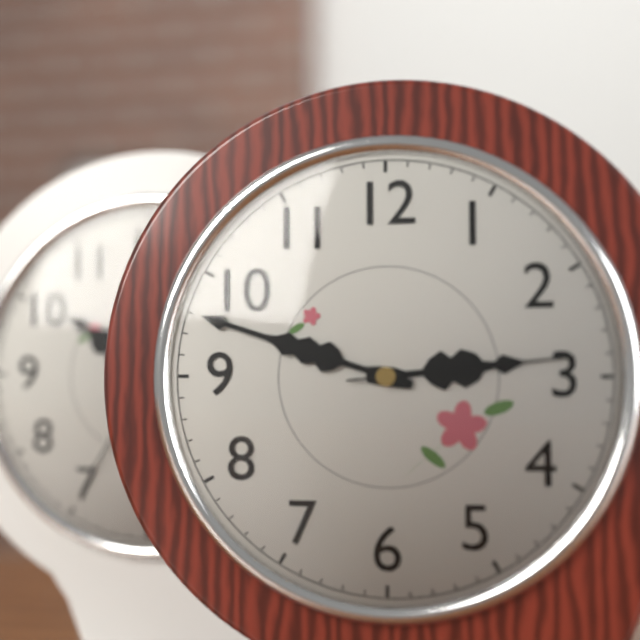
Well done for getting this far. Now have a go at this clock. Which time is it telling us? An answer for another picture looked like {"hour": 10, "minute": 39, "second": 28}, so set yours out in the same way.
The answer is {"hour": 2, "minute": 48, "second": 14}
